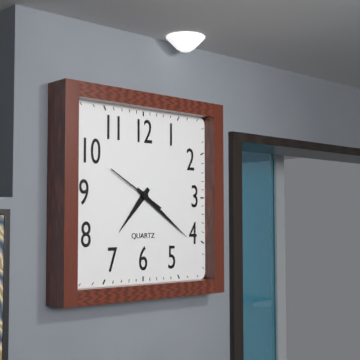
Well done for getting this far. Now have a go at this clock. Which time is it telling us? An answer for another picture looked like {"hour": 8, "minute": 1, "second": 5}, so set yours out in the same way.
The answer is {"hour": 7, "minute": 21, "second": 50}
